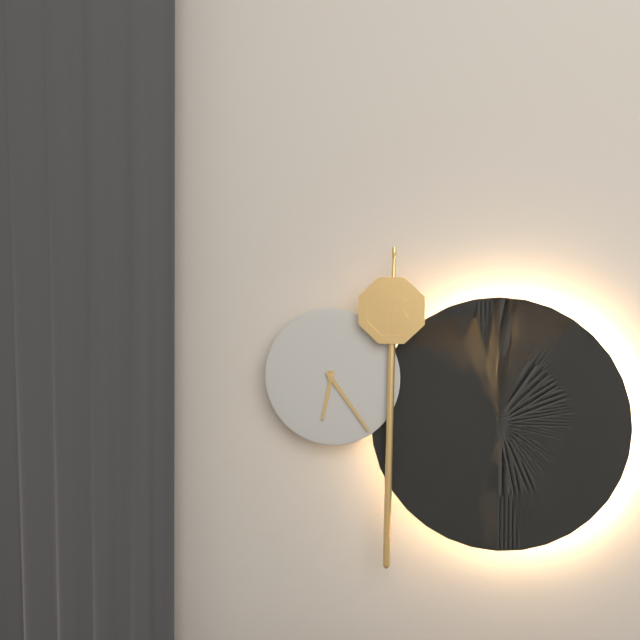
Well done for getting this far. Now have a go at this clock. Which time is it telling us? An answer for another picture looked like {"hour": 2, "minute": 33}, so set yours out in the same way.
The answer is {"hour": 6, "minute": 24}
